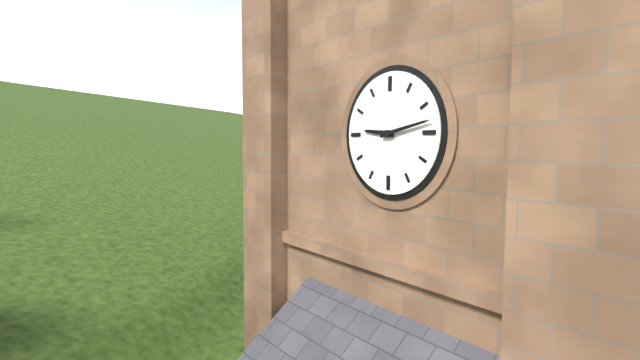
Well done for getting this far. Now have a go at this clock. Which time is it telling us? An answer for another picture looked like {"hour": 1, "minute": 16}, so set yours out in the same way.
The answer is {"hour": 9, "minute": 13}
